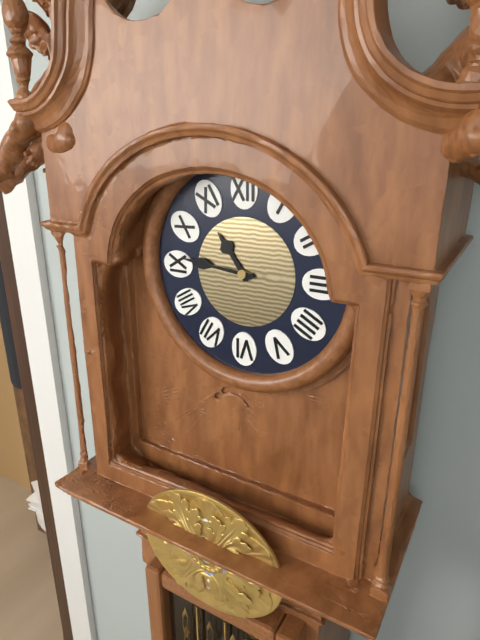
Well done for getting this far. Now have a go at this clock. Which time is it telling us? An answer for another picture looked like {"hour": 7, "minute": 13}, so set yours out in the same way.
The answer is {"hour": 10, "minute": 46}
